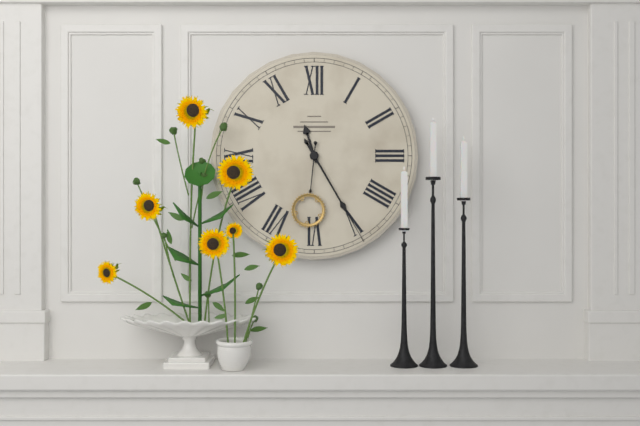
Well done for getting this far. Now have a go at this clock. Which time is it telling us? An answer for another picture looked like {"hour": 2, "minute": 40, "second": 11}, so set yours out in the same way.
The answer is {"hour": 11, "minute": 25, "second": 31}
